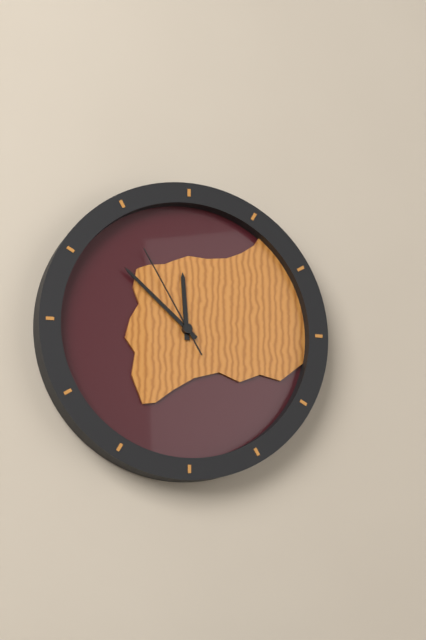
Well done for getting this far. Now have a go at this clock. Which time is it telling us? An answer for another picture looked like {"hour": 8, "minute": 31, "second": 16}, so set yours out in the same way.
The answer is {"hour": 11, "minute": 52, "second": 55}
